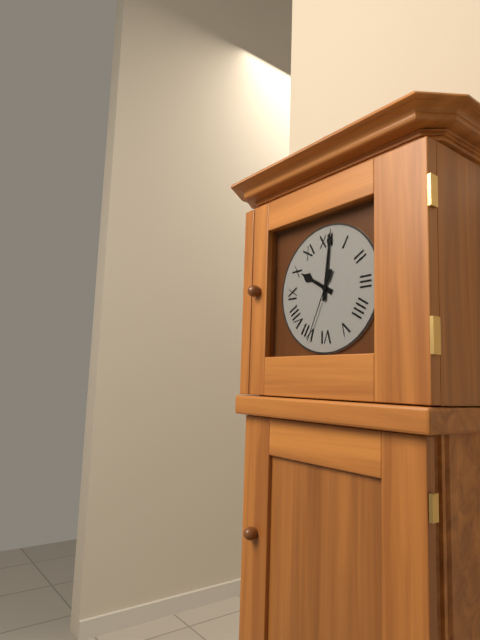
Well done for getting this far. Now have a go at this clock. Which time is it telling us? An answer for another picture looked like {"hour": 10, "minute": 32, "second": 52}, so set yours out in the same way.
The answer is {"hour": 10, "minute": 1, "second": 34}
